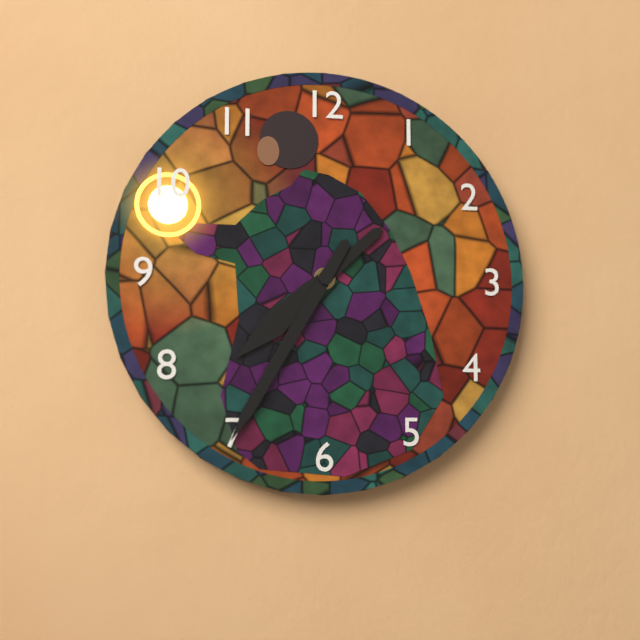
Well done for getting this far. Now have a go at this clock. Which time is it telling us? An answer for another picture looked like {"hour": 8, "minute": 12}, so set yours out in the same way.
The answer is {"hour": 7, "minute": 35}
